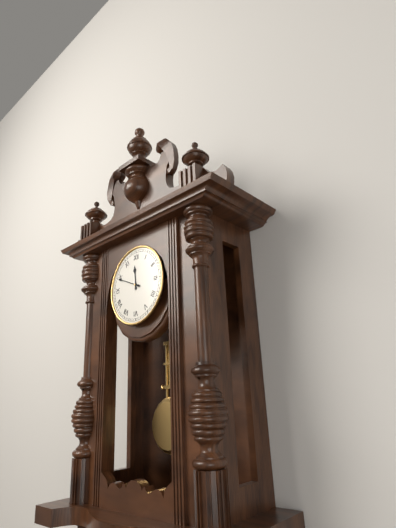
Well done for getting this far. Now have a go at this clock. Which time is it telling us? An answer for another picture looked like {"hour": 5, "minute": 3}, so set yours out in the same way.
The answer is {"hour": 11, "minute": 49}
